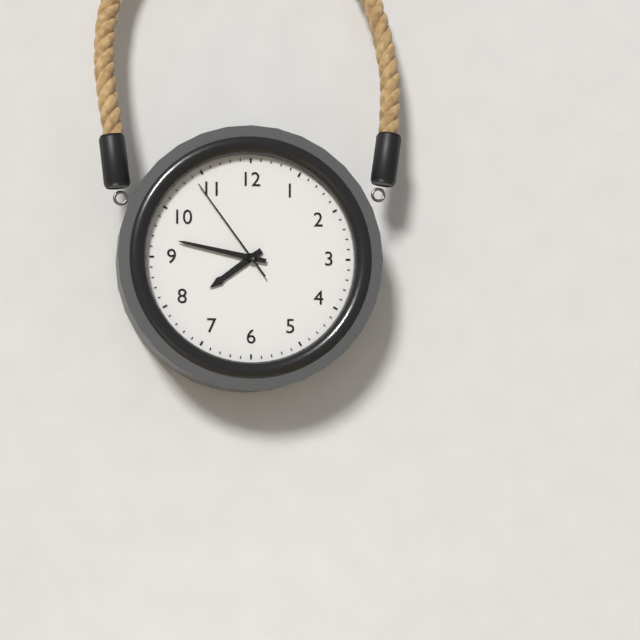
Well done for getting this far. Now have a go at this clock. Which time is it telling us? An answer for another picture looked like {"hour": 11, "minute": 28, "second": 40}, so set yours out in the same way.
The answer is {"hour": 7, "minute": 47, "second": 54}
